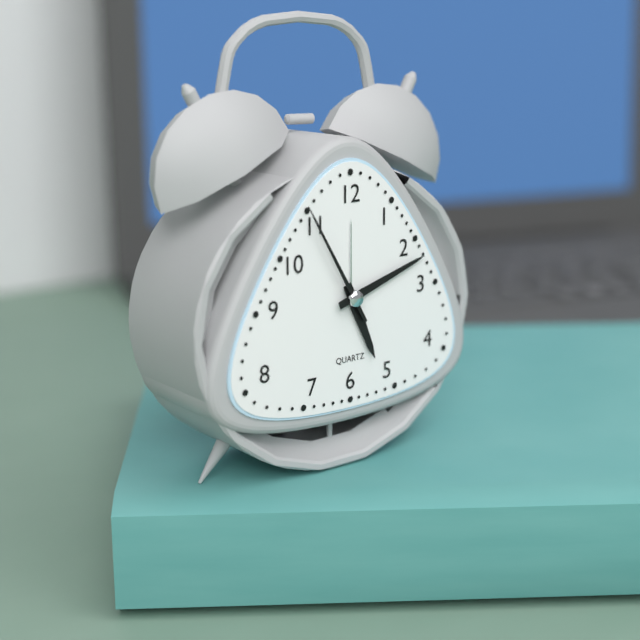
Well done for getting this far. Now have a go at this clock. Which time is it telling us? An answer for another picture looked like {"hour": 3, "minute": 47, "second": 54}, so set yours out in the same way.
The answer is {"hour": 5, "minute": 12, "second": 55}
